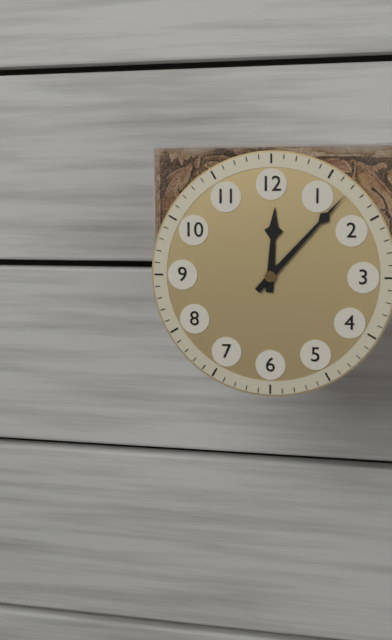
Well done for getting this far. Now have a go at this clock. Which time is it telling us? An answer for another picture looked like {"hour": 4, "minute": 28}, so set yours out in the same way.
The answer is {"hour": 12, "minute": 7}
